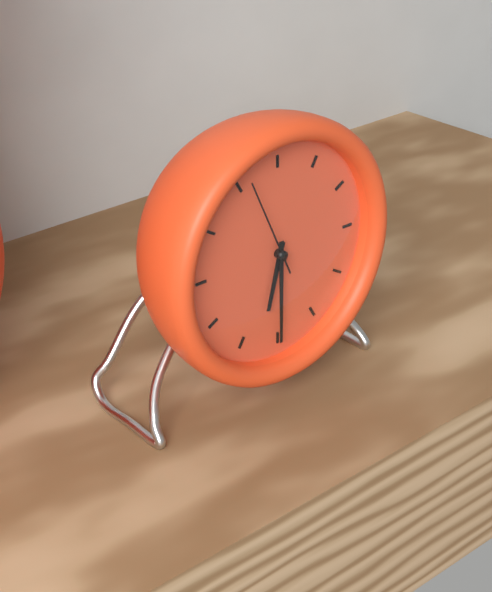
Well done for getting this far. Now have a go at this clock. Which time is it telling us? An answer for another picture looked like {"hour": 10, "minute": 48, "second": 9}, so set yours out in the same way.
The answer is {"hour": 6, "minute": 30, "second": 56}
